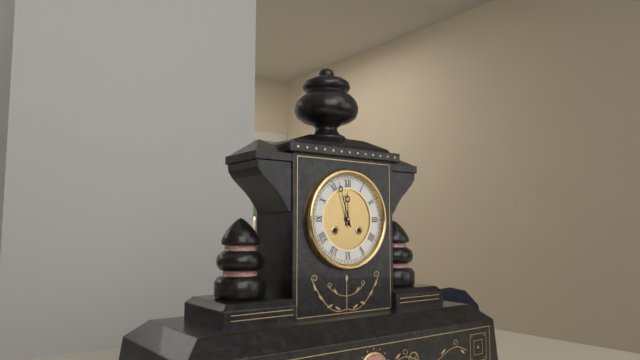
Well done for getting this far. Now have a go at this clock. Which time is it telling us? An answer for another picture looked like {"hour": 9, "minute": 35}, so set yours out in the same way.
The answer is {"hour": 11, "minute": 57}
